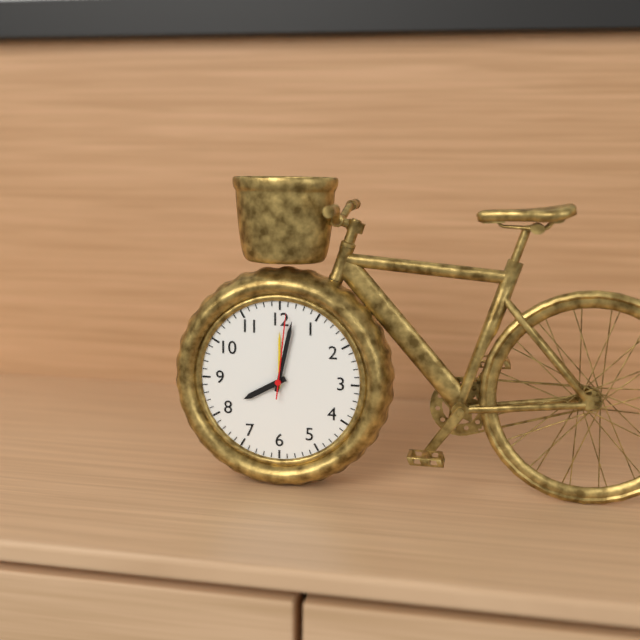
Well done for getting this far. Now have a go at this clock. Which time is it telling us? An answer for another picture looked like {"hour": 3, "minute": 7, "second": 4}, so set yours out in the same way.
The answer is {"hour": 8, "minute": 2, "second": 1}
